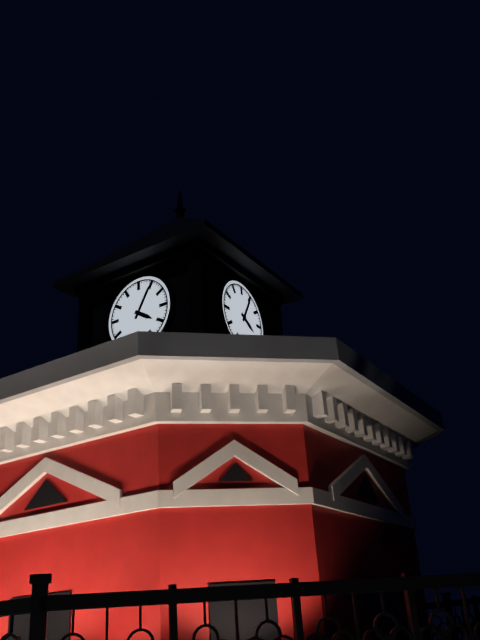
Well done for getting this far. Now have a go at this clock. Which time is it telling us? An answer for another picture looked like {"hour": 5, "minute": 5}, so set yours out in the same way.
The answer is {"hour": 4, "minute": 5}
